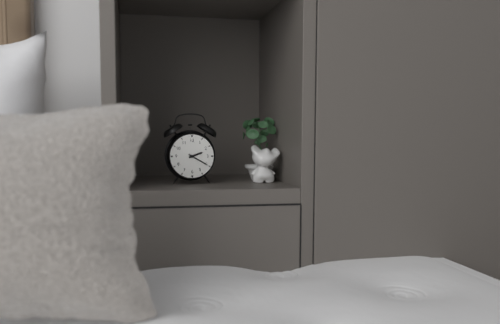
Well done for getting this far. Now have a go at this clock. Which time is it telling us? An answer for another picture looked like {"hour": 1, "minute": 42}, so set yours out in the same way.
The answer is {"hour": 2, "minute": 20}
